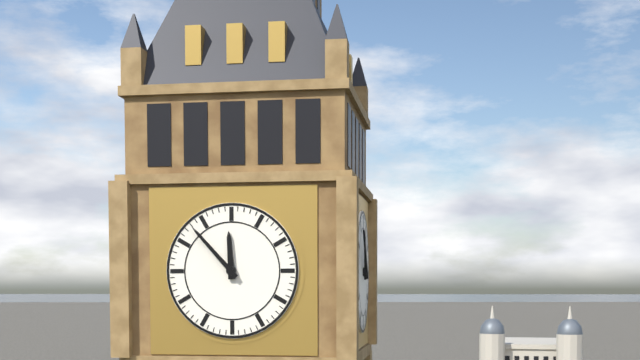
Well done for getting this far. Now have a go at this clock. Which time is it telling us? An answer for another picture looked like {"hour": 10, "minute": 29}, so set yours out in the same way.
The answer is {"hour": 11, "minute": 53}
